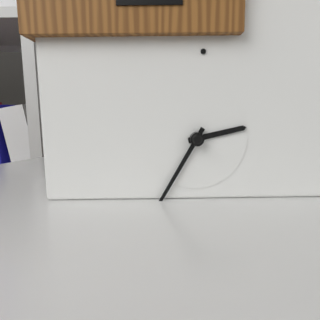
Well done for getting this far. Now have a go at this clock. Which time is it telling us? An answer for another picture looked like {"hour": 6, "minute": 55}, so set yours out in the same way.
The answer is {"hour": 2, "minute": 35}
